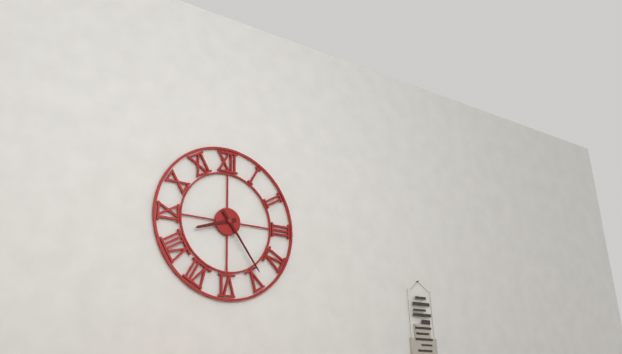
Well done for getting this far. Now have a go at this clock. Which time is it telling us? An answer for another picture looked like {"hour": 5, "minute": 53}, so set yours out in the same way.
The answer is {"hour": 8, "minute": 24}
